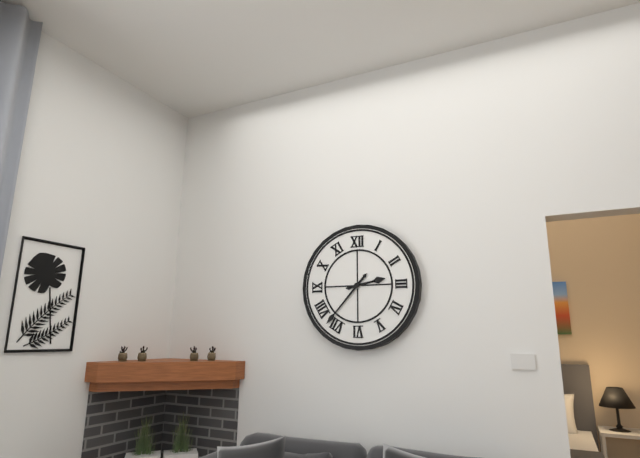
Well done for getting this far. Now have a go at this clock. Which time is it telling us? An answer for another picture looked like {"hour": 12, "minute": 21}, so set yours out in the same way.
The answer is {"hour": 2, "minute": 37}
